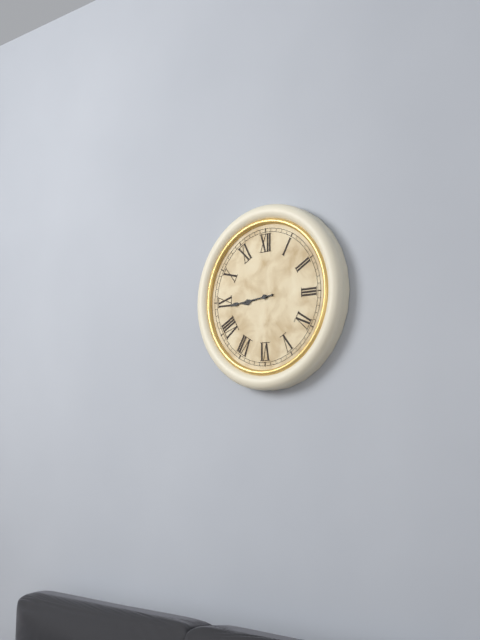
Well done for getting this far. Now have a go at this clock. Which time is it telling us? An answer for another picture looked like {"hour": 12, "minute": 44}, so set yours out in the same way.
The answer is {"hour": 8, "minute": 44}
